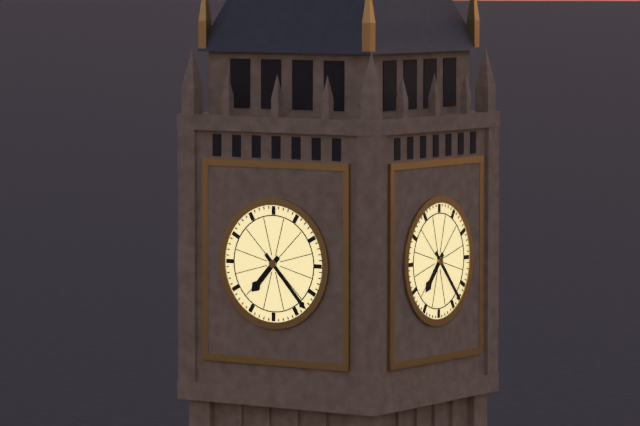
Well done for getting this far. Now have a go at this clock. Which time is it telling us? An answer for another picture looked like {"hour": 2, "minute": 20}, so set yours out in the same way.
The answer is {"hour": 7, "minute": 23}
